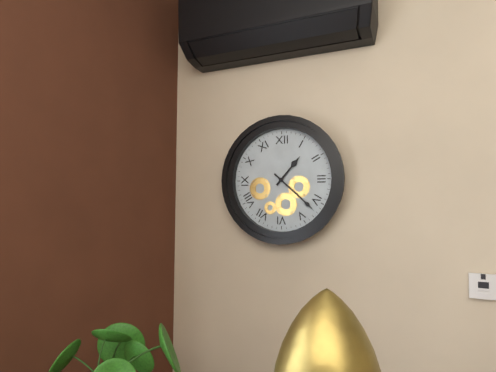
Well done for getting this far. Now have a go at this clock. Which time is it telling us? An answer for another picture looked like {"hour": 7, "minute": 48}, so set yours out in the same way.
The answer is {"hour": 1, "minute": 22}
